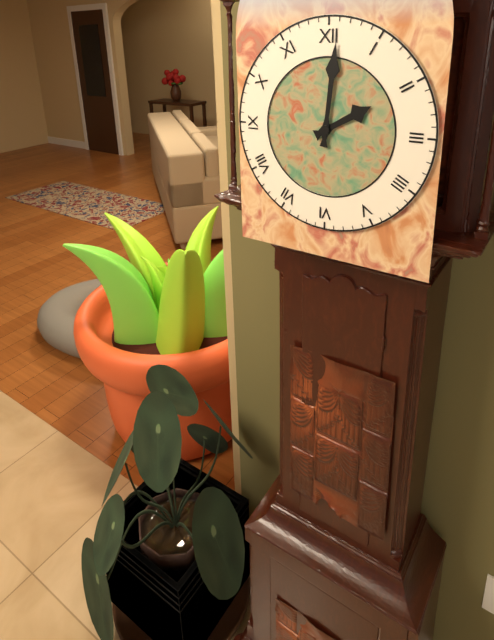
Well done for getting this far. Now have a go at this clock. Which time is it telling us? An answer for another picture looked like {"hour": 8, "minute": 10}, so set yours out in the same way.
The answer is {"hour": 2, "minute": 1}
